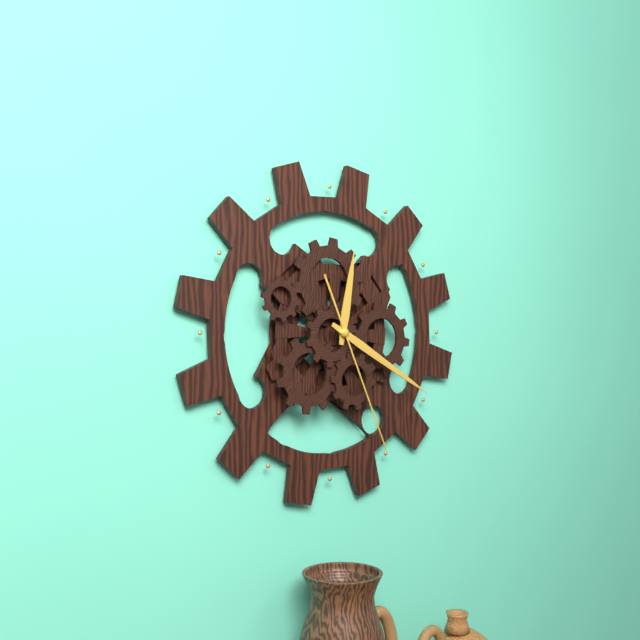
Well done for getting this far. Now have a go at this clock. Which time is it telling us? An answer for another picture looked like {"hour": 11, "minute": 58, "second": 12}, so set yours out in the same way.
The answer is {"hour": 12, "minute": 20, "second": 26}
